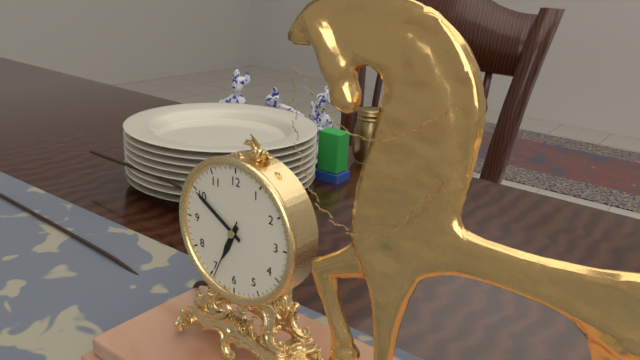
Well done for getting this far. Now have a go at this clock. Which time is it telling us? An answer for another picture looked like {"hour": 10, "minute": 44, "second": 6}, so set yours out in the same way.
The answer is {"hour": 6, "minute": 50, "second": 34}
